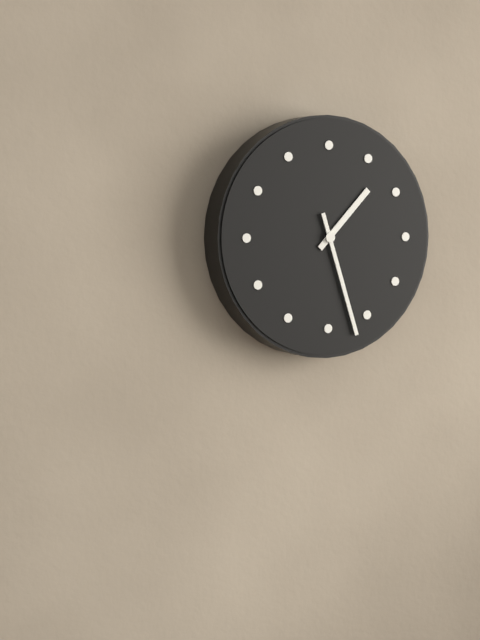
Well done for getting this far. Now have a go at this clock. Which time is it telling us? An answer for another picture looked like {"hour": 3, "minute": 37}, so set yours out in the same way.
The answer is {"hour": 1, "minute": 27}
